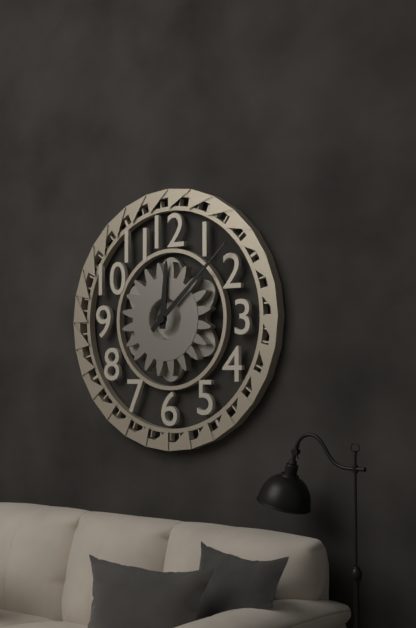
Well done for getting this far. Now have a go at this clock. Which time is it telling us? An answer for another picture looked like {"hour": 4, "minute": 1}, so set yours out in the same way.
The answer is {"hour": 12, "minute": 8}
